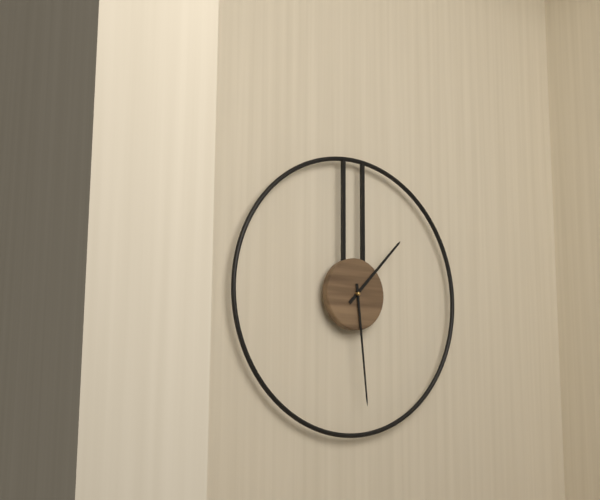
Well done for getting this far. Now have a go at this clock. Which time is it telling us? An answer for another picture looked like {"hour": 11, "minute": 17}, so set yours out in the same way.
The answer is {"hour": 1, "minute": 29}
